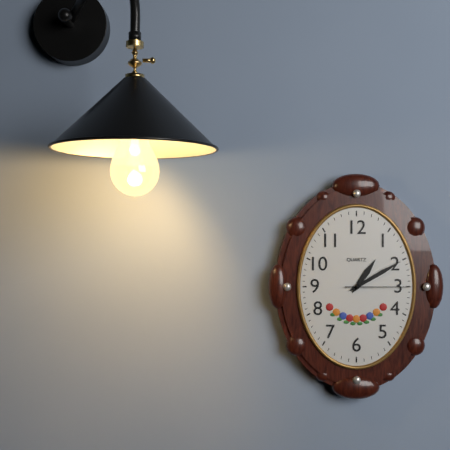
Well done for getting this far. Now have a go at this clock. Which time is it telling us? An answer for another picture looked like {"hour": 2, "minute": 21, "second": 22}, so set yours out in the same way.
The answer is {"hour": 1, "minute": 10, "second": 15}
